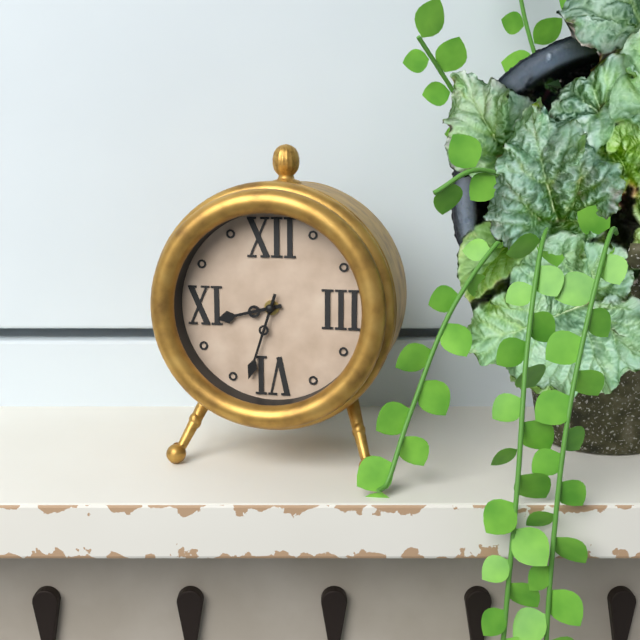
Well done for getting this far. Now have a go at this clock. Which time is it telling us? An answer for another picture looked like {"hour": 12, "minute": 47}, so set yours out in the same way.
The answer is {"hour": 8, "minute": 33}
